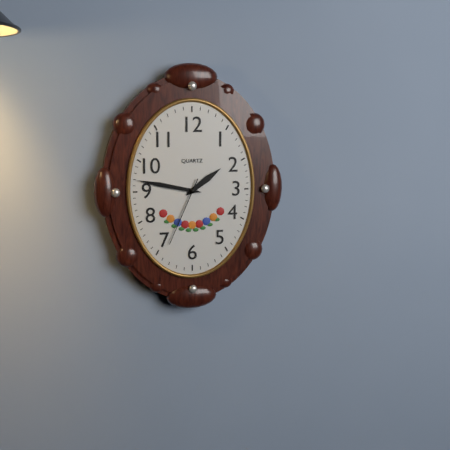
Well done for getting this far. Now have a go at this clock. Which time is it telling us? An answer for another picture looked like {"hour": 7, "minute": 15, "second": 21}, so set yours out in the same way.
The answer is {"hour": 1, "minute": 47, "second": 34}
